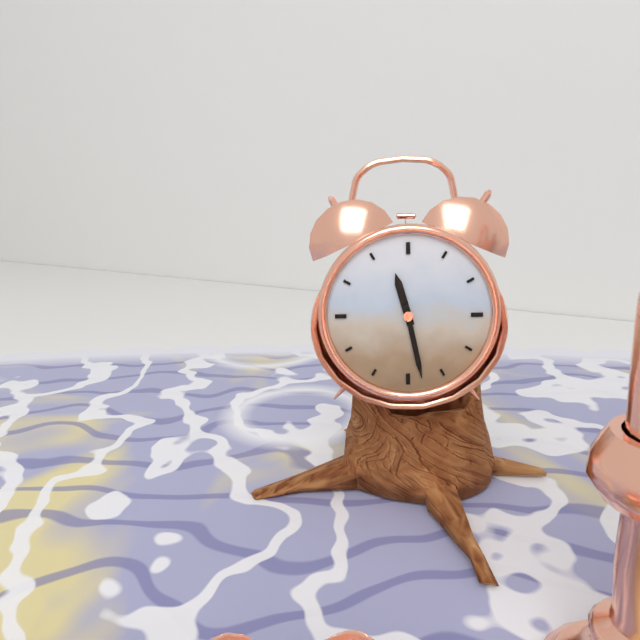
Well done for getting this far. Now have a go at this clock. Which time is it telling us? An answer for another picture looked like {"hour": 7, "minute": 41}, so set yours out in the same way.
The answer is {"hour": 11, "minute": 28}
